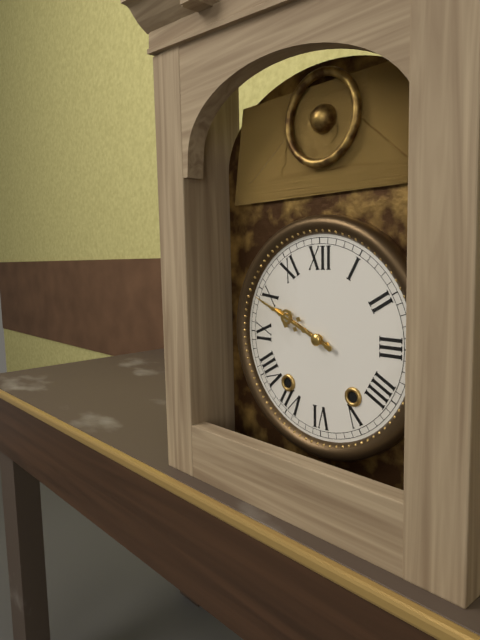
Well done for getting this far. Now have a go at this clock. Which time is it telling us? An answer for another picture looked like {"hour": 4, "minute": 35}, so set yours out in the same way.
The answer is {"hour": 9, "minute": 49}
